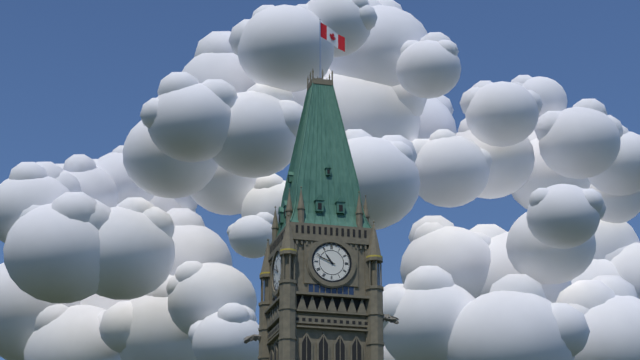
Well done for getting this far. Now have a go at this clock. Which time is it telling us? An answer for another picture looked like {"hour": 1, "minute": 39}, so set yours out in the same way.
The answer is {"hour": 10, "minute": 49}
